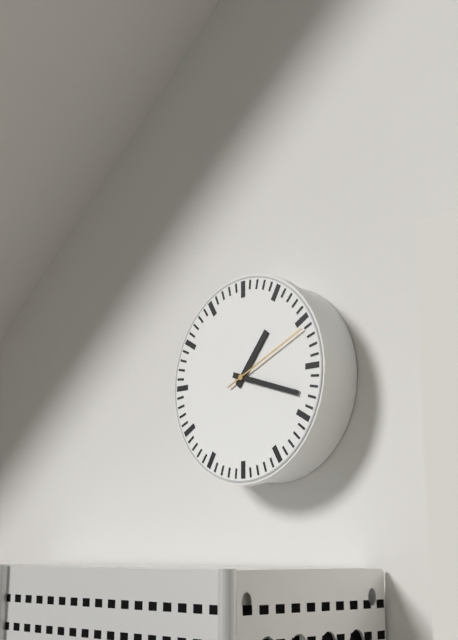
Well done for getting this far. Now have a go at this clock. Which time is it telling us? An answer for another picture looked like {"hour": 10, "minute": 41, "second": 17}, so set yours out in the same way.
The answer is {"hour": 1, "minute": 18, "second": 11}
